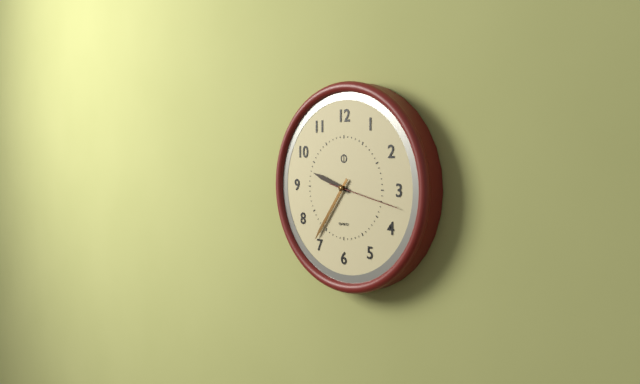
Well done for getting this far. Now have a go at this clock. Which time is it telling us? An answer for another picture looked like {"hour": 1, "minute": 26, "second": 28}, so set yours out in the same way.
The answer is {"hour": 9, "minute": 36, "second": 17}
